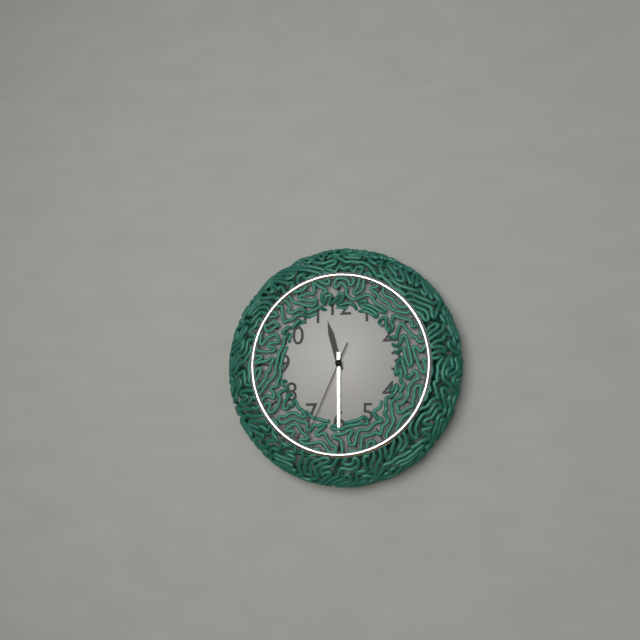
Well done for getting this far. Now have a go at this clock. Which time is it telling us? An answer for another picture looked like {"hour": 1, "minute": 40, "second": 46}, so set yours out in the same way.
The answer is {"hour": 11, "minute": 30, "second": 34}
